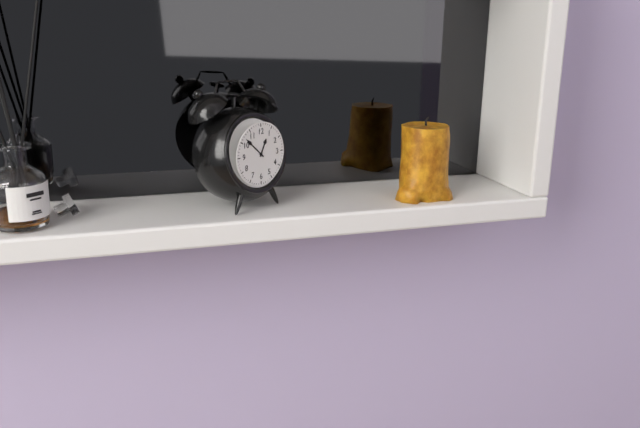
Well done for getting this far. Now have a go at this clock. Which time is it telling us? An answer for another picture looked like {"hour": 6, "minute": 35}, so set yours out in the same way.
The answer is {"hour": 12, "minute": 52}
